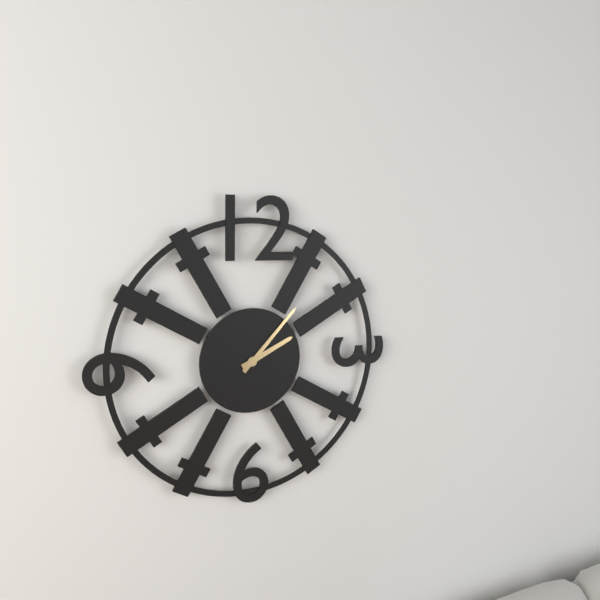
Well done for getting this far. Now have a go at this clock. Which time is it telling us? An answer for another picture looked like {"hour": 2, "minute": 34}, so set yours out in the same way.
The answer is {"hour": 2, "minute": 7}
